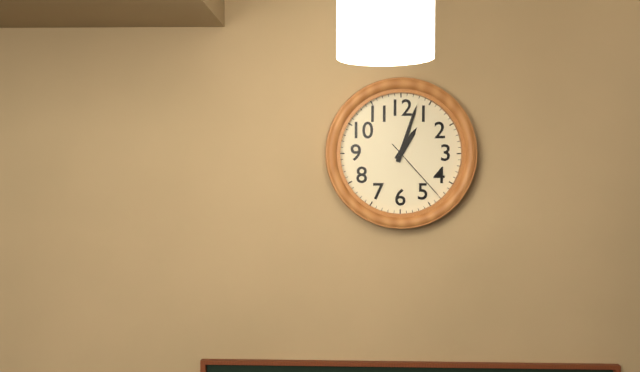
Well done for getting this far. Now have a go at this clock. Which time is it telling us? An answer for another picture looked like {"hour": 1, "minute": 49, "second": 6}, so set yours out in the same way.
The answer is {"hour": 1, "minute": 3, "second": 23}
